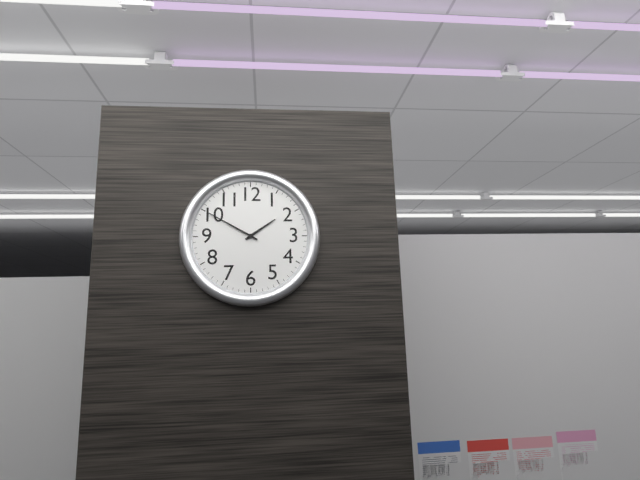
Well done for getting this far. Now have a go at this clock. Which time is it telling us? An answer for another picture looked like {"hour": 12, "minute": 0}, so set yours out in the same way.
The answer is {"hour": 1, "minute": 50}
